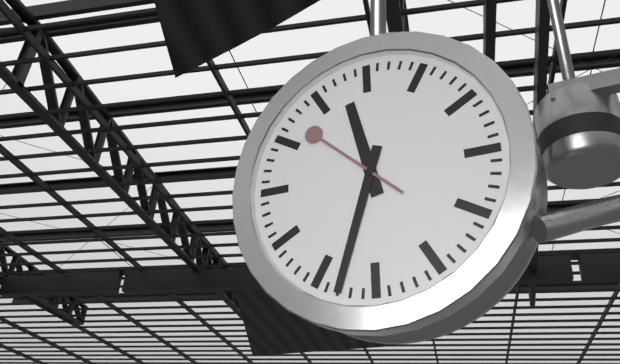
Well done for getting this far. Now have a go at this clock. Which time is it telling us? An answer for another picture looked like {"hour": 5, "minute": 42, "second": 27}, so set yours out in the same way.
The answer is {"hour": 11, "minute": 33, "second": 52}
